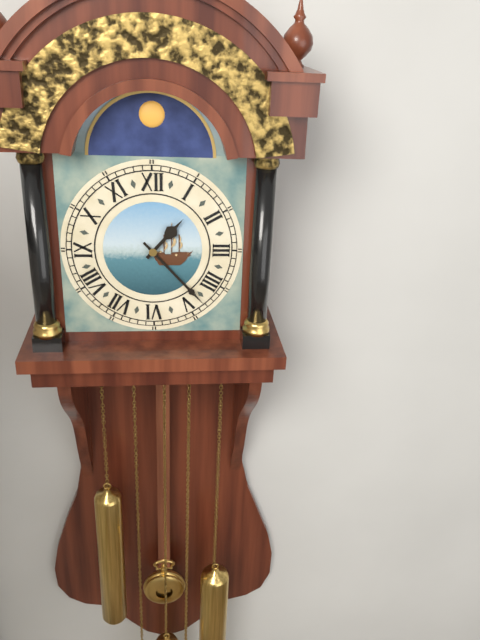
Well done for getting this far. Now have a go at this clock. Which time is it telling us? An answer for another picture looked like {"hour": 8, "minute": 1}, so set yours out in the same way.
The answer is {"hour": 1, "minute": 23}
